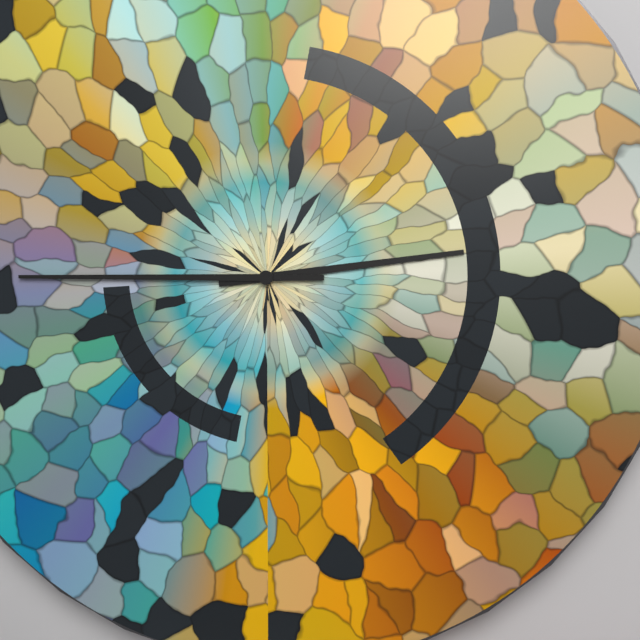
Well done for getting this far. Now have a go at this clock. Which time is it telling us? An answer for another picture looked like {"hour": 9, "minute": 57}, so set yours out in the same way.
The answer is {"hour": 2, "minute": 45}
